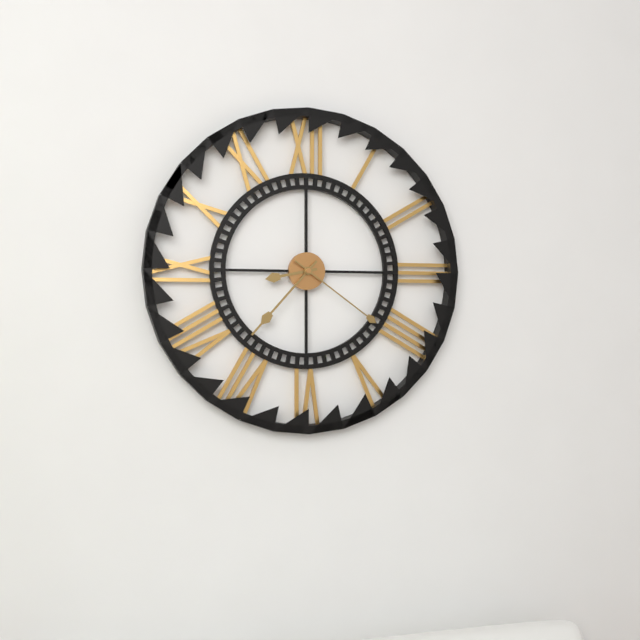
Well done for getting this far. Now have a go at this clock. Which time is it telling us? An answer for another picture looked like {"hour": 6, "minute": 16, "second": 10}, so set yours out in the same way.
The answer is {"hour": 8, "minute": 37, "second": 21}
